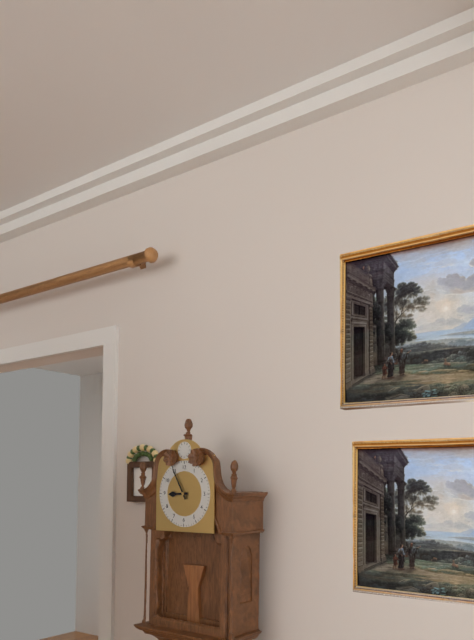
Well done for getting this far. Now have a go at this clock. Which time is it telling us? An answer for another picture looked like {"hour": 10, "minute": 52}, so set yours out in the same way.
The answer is {"hour": 8, "minute": 55}
